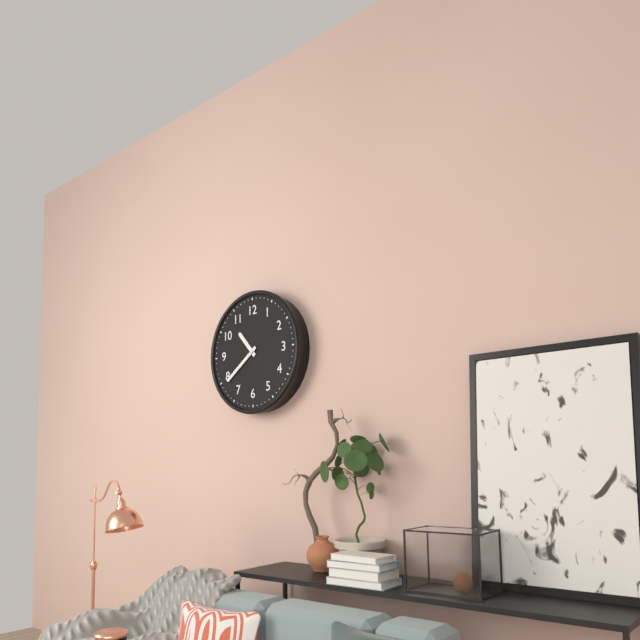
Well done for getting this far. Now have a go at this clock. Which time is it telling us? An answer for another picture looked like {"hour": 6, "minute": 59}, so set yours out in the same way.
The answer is {"hour": 10, "minute": 39}
